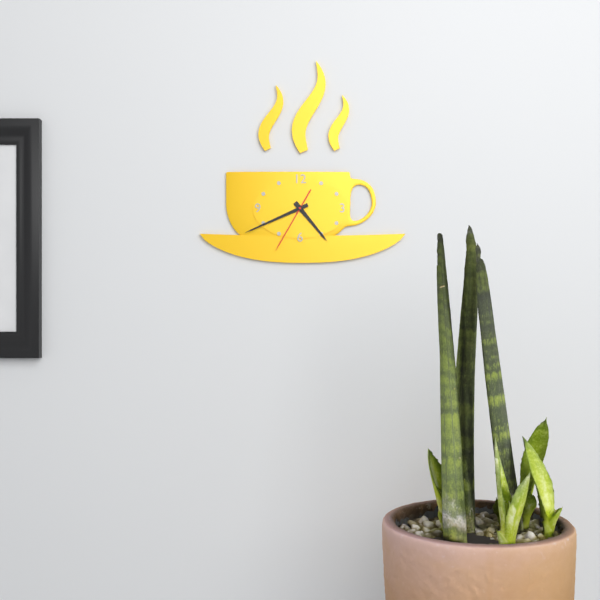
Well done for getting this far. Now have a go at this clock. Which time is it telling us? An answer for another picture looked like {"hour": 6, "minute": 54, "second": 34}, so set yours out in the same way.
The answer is {"hour": 4, "minute": 41, "second": 35}
